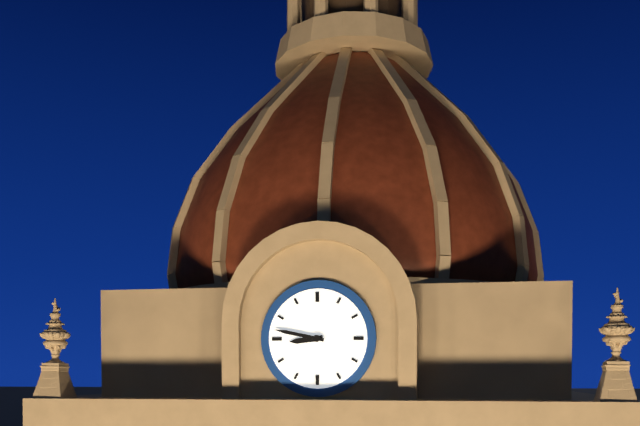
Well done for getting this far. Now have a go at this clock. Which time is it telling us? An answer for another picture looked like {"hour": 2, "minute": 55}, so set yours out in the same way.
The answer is {"hour": 8, "minute": 47}
